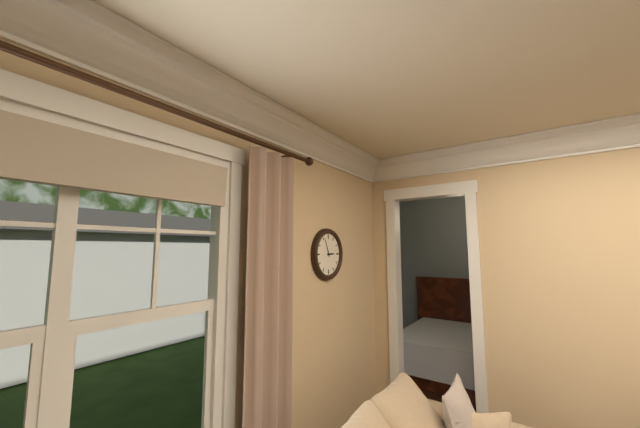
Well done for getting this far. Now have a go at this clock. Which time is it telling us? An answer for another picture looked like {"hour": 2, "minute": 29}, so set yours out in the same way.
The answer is {"hour": 2, "minute": 56}
